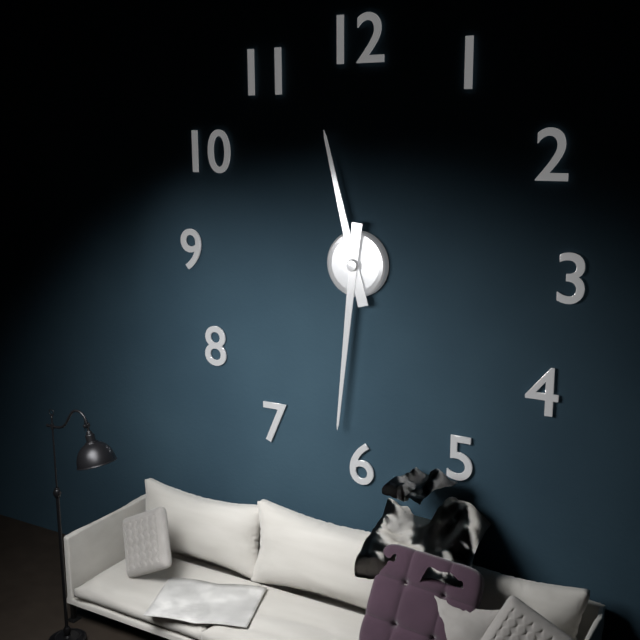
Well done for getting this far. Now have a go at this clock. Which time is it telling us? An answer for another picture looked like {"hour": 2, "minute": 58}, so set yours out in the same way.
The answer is {"hour": 11, "minute": 31}
